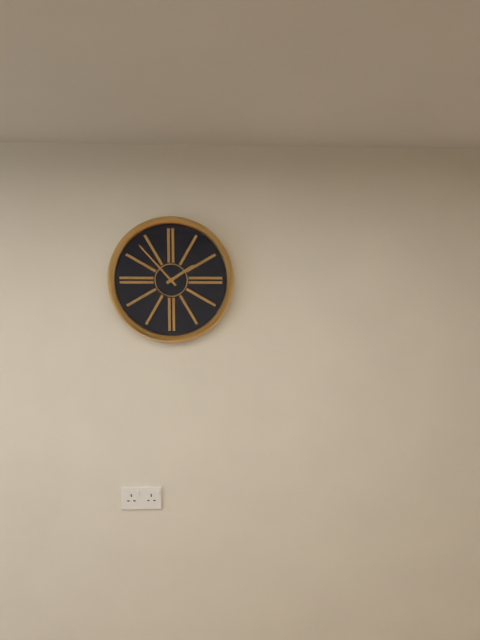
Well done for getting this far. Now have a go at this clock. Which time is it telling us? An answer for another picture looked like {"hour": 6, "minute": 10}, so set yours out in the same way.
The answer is {"hour": 1, "minute": 53}
